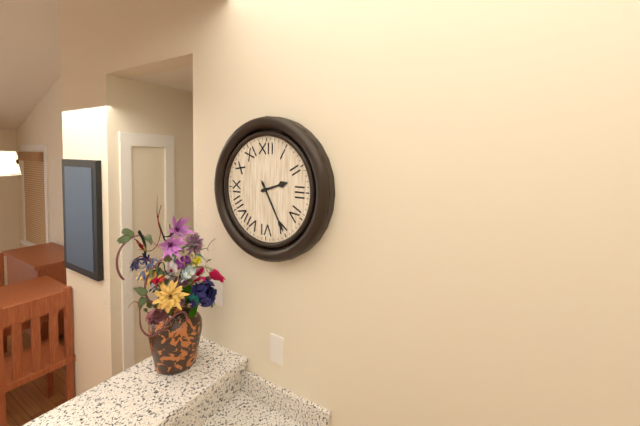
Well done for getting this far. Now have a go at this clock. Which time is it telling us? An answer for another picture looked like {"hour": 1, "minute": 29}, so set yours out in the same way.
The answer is {"hour": 2, "minute": 25}
